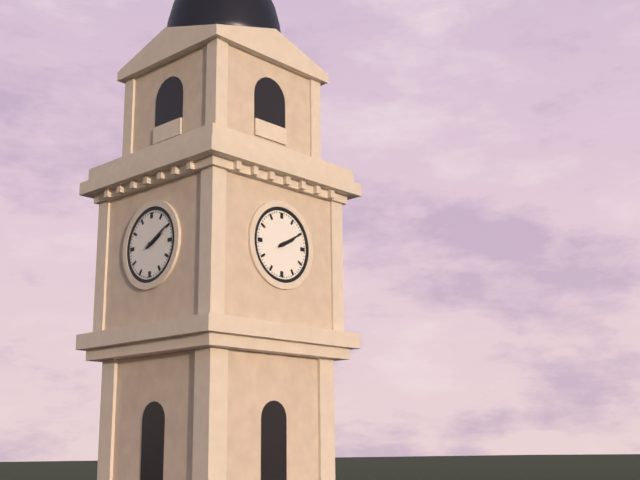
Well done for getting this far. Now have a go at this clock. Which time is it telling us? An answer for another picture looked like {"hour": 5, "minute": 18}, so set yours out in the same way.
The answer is {"hour": 2, "minute": 10}
